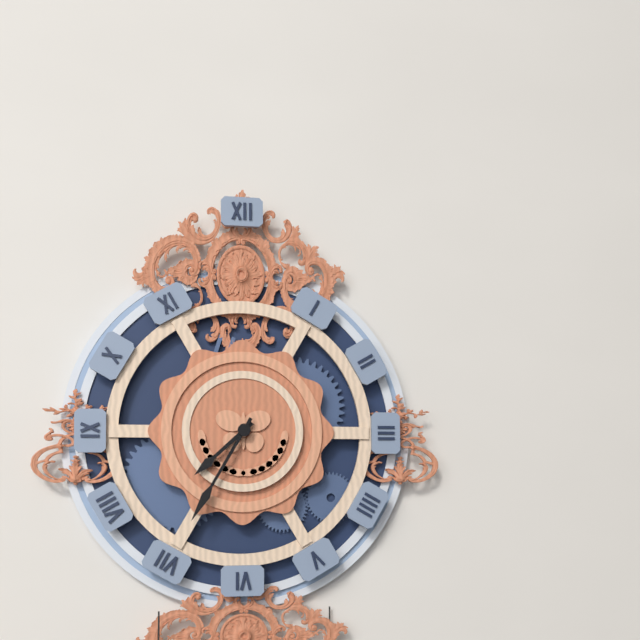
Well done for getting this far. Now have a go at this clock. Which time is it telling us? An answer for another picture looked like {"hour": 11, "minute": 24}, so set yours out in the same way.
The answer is {"hour": 7, "minute": 35}
